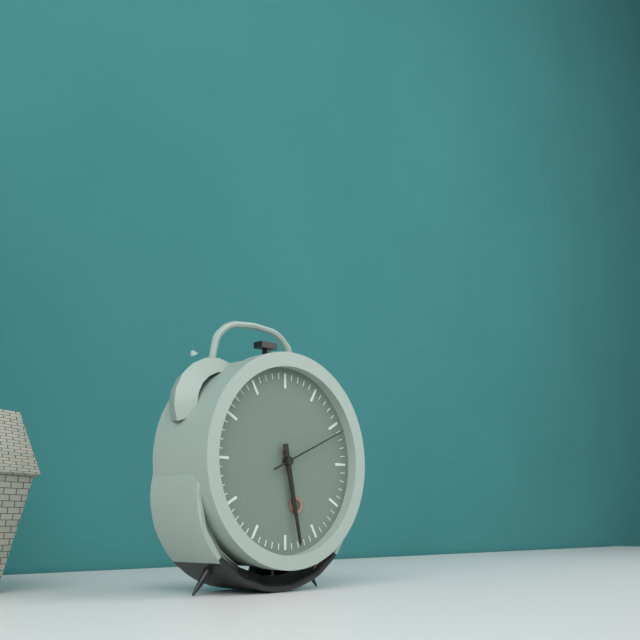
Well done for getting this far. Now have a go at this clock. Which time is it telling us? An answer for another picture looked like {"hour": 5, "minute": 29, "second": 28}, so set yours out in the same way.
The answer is {"hour": 5, "minute": 28, "second": 11}
